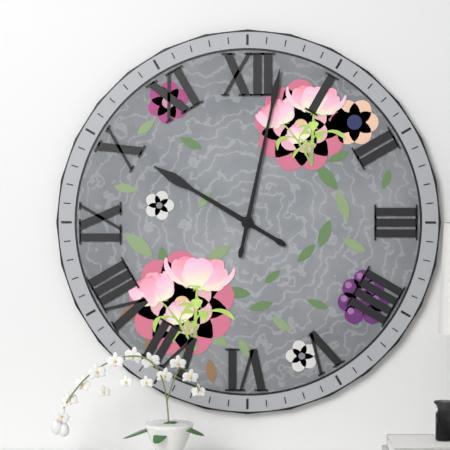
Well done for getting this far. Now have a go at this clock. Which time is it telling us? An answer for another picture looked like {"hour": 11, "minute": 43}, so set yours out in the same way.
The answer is {"hour": 10, "minute": 2}
